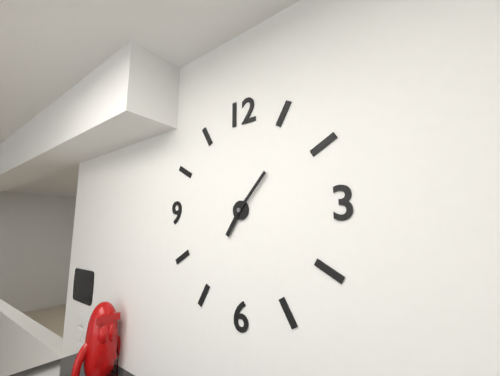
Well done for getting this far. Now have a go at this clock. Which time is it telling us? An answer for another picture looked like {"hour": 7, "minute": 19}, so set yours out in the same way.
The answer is {"hour": 7, "minute": 7}
